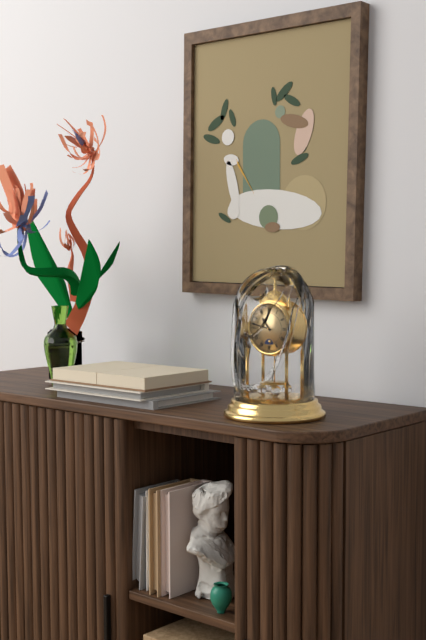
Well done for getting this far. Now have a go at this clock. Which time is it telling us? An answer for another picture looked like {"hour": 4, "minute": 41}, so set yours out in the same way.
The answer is {"hour": 10, "minute": 47}
